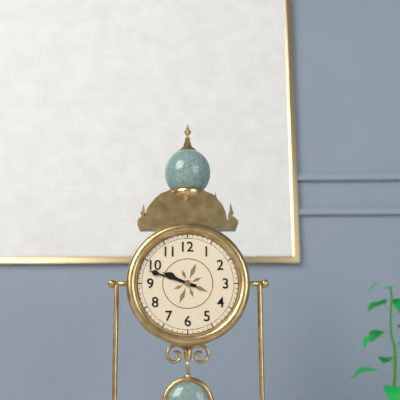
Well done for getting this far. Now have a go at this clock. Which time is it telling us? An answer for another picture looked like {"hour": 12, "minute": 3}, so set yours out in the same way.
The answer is {"hour": 9, "minute": 48}
